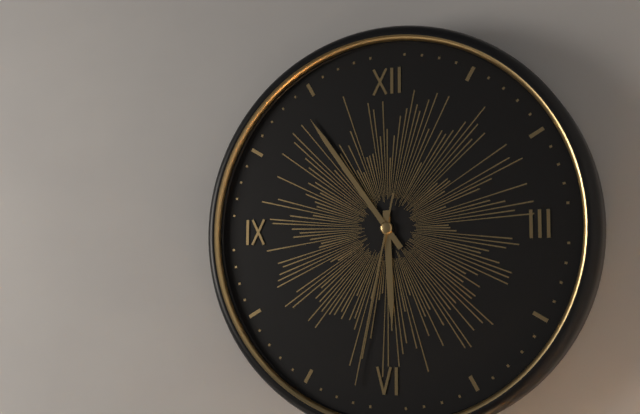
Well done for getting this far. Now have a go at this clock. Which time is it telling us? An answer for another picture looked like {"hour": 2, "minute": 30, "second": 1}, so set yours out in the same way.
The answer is {"hour": 5, "minute": 54, "second": 32}
